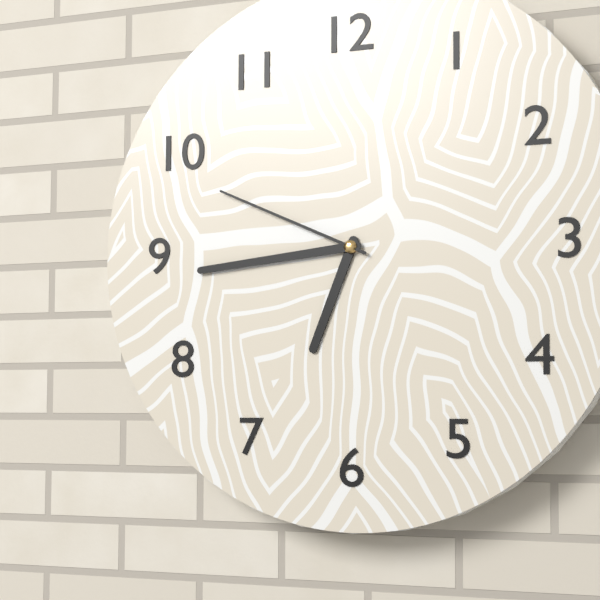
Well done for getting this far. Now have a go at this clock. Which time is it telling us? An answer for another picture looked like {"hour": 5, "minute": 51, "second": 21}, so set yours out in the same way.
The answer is {"hour": 6, "minute": 44, "second": 49}
